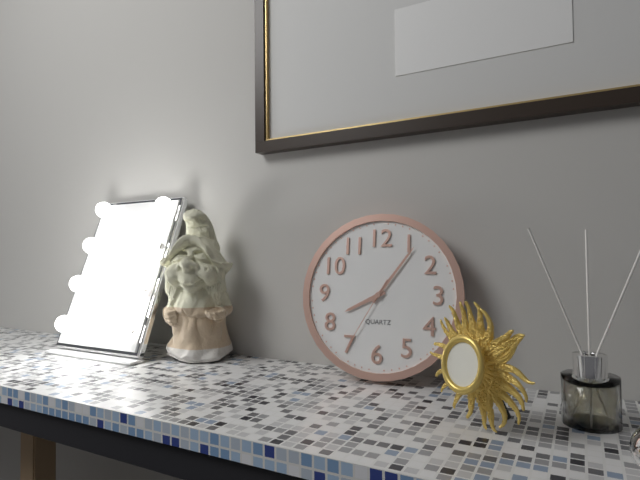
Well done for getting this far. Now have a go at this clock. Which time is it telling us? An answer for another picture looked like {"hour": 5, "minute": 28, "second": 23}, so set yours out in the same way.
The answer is {"hour": 8, "minute": 6, "second": 35}
